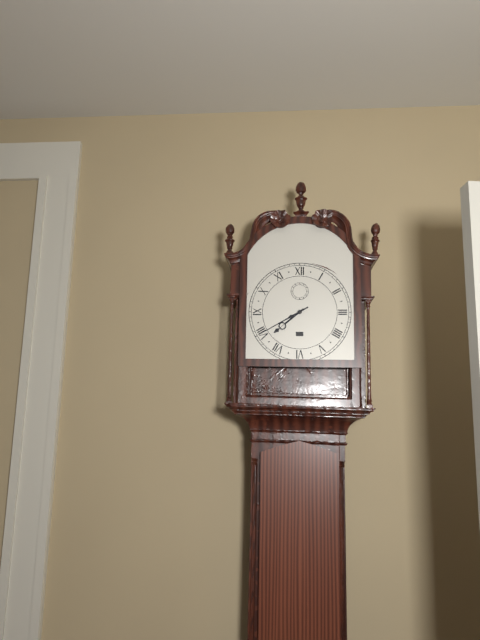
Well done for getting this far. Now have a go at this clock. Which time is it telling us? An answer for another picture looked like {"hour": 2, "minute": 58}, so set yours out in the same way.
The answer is {"hour": 7, "minute": 40}
